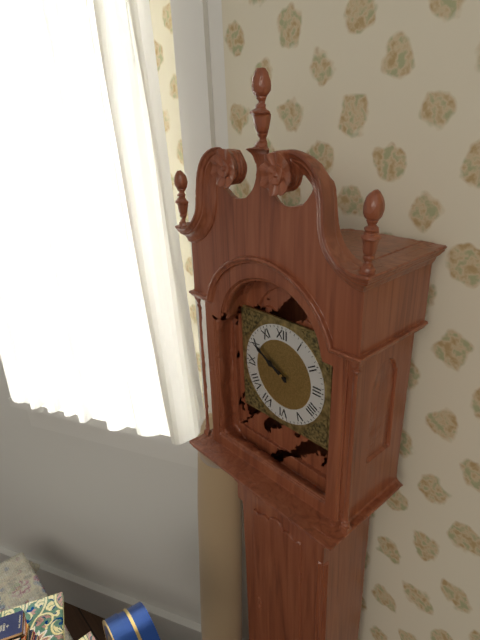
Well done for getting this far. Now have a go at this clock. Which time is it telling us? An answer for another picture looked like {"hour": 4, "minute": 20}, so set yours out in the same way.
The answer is {"hour": 9, "minute": 50}
